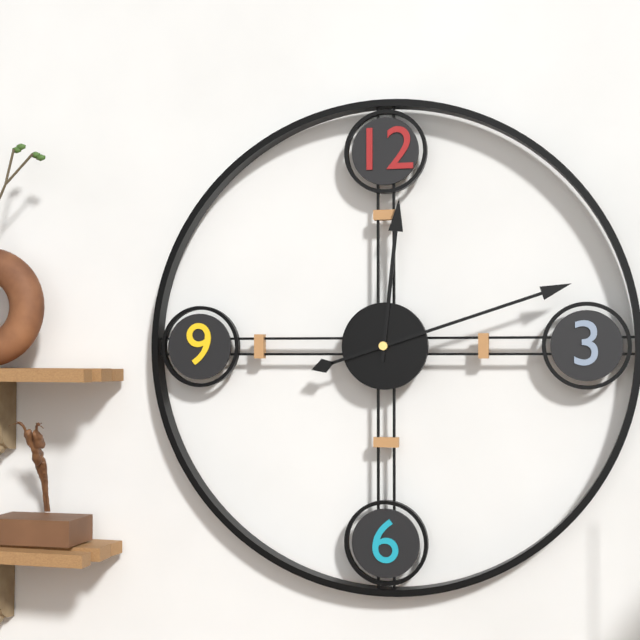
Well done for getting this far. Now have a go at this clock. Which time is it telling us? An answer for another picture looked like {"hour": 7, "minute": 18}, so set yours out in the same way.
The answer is {"hour": 12, "minute": 12}
